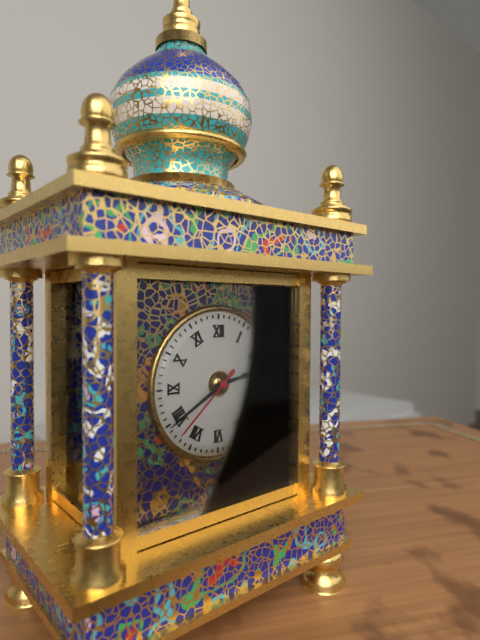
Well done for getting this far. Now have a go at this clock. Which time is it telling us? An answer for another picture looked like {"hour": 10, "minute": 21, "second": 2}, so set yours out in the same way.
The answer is {"hour": 2, "minute": 40, "second": 38}
